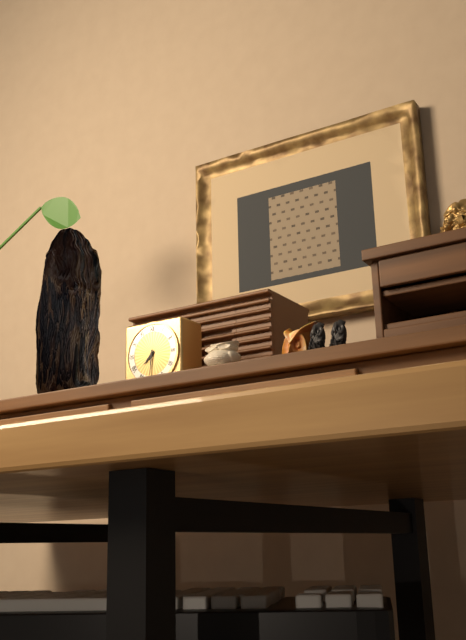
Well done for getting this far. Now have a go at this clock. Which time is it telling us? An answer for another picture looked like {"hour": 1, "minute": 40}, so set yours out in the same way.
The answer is {"hour": 7, "minute": 31}
